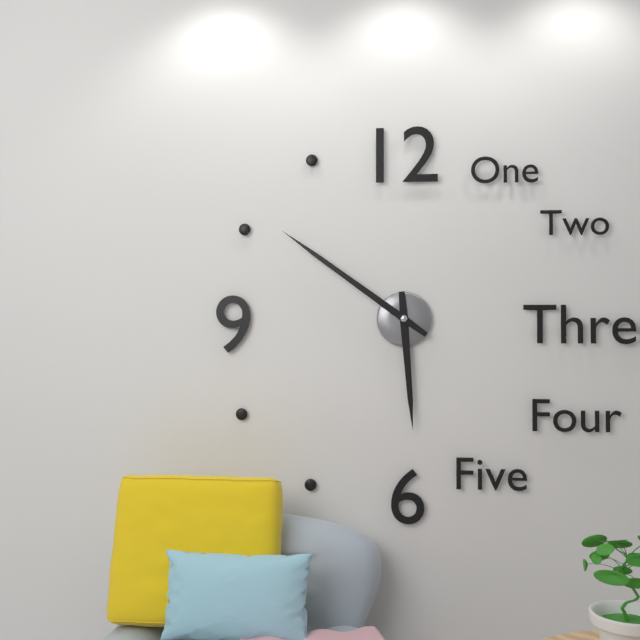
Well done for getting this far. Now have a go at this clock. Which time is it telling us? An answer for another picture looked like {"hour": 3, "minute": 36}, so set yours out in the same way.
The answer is {"hour": 5, "minute": 51}
